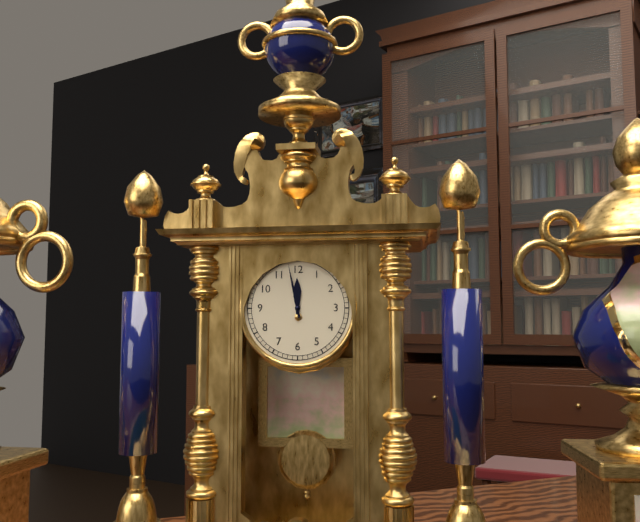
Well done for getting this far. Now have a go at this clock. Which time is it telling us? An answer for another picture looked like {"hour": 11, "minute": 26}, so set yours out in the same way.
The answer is {"hour": 11, "minute": 58}
